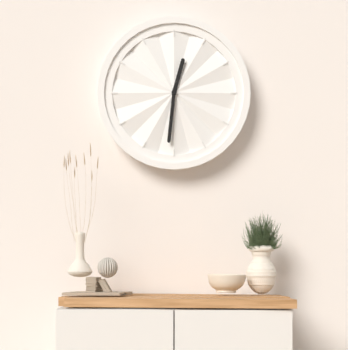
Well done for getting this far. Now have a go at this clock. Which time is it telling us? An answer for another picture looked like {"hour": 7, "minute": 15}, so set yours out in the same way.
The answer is {"hour": 12, "minute": 31}
